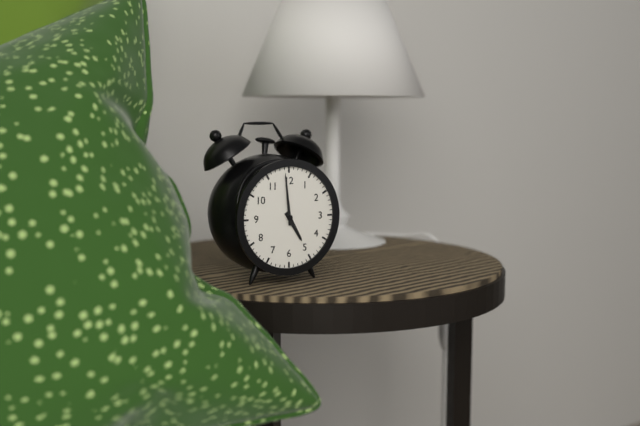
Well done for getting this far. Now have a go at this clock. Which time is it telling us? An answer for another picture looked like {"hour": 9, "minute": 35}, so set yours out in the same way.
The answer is {"hour": 4, "minute": 59}
